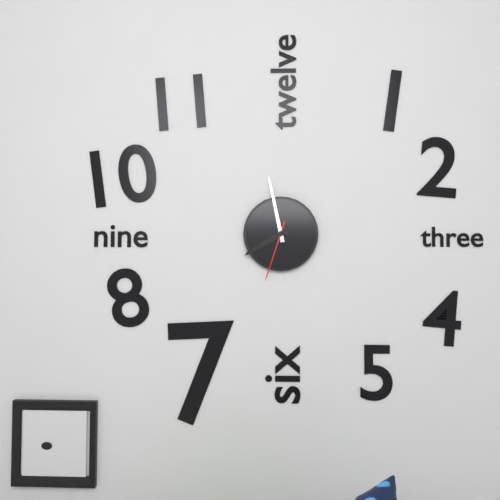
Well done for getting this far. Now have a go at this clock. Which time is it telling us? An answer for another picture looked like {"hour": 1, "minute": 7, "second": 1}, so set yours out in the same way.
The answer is {"hour": 7, "minute": 58, "second": 33}
